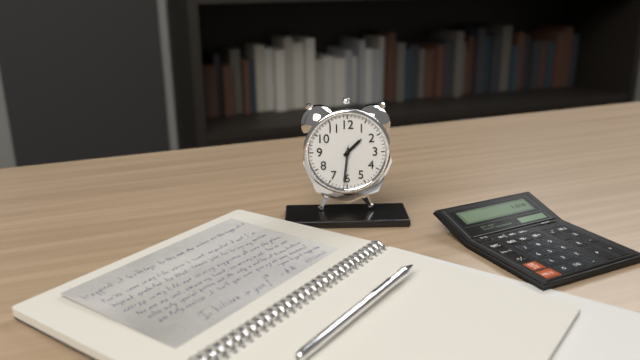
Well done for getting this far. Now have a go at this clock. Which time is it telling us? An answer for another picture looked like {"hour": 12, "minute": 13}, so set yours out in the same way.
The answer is {"hour": 1, "minute": 31}
